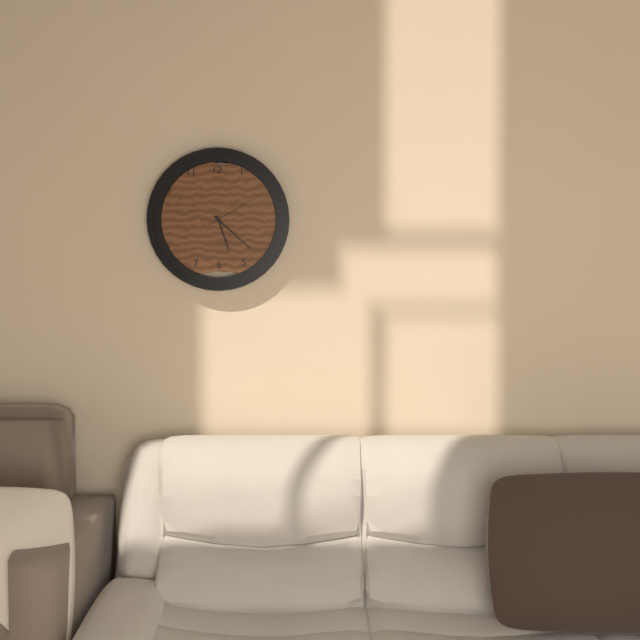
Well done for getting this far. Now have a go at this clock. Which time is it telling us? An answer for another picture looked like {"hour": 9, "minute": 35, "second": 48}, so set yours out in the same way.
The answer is {"hour": 5, "minute": 22, "second": 10}
